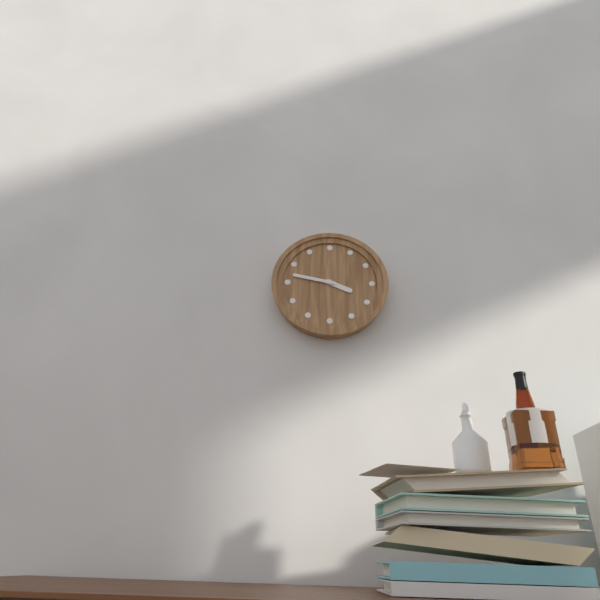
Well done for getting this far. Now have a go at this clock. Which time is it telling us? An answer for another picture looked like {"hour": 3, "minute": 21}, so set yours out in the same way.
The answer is {"hour": 3, "minute": 47}
